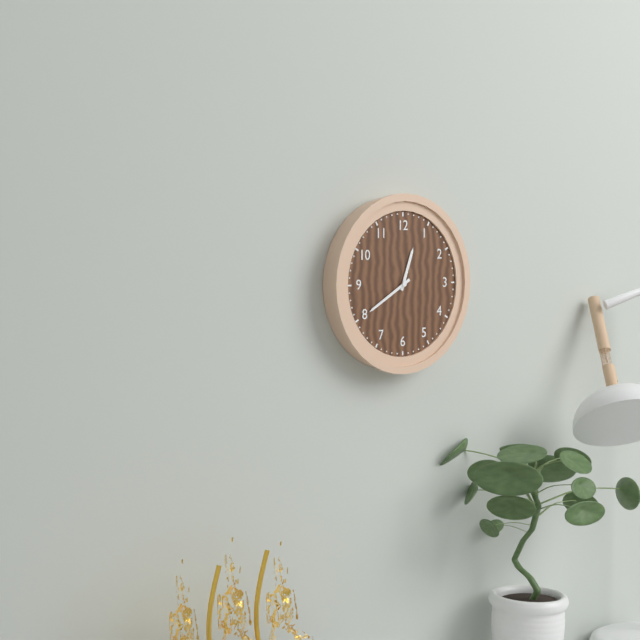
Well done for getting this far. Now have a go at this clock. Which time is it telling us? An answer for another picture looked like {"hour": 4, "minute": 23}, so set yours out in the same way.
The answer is {"hour": 12, "minute": 40}
